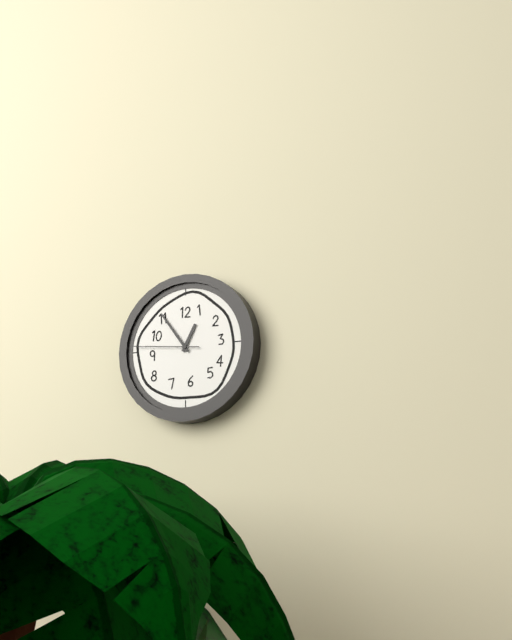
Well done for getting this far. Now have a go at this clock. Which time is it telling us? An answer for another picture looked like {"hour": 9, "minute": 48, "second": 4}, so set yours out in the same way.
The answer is {"hour": 12, "minute": 54, "second": 46}
